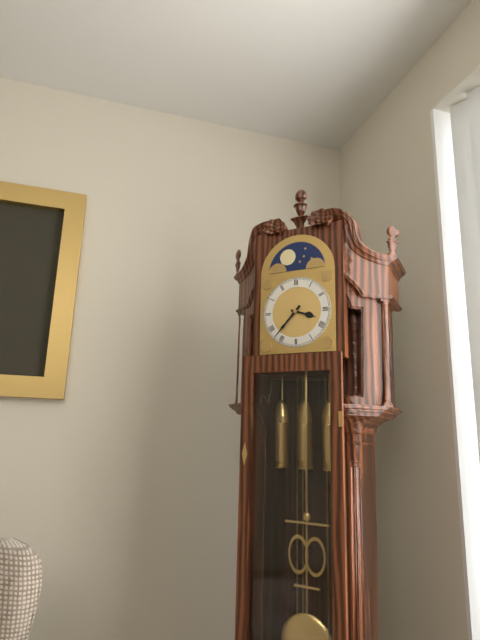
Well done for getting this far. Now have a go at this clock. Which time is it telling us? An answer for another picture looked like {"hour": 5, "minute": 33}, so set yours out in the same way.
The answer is {"hour": 3, "minute": 37}
